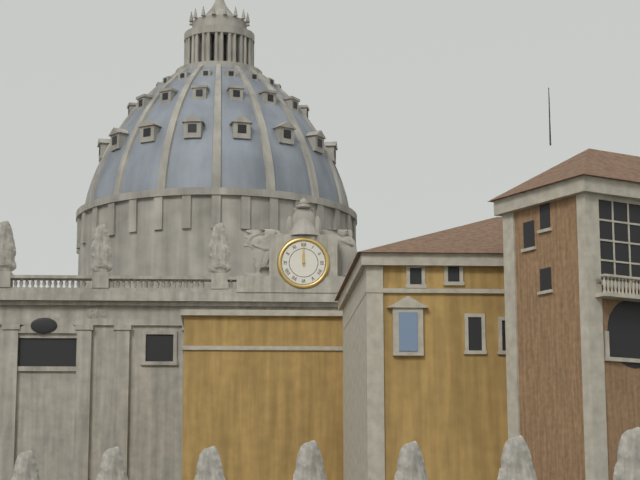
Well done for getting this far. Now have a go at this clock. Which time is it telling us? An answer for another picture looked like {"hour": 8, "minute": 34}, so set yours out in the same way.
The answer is {"hour": 12, "minute": 0}
